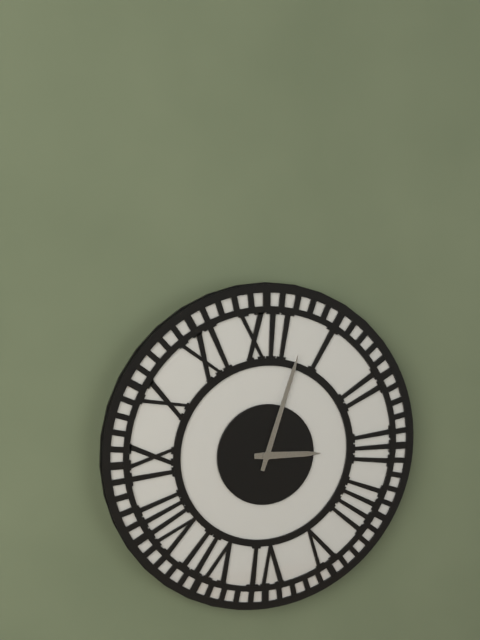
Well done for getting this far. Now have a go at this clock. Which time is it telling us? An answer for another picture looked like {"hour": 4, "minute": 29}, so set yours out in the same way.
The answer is {"hour": 3, "minute": 3}
